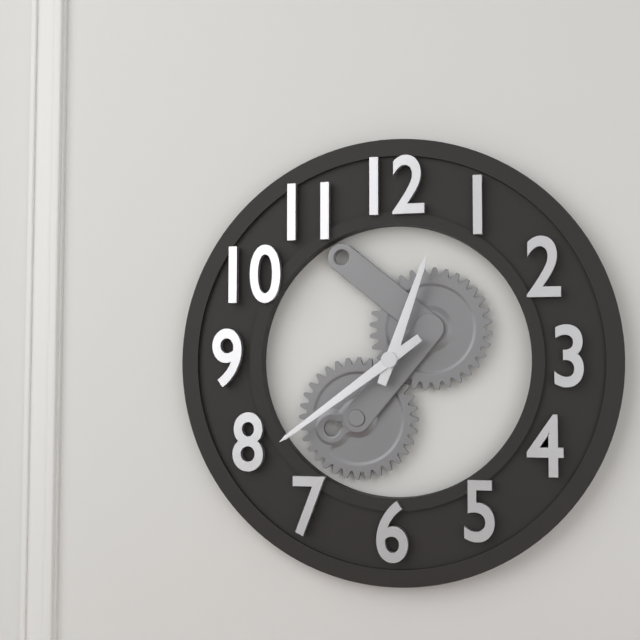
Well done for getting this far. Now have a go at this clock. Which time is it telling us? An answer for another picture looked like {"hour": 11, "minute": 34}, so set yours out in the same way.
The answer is {"hour": 12, "minute": 39}
